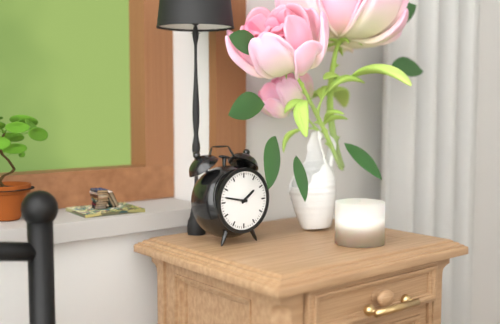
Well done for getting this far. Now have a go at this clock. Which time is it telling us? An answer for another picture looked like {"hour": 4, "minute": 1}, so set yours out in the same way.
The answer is {"hour": 1, "minute": 47}
